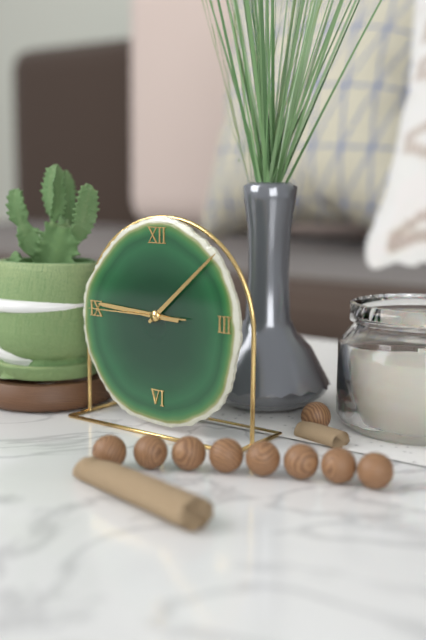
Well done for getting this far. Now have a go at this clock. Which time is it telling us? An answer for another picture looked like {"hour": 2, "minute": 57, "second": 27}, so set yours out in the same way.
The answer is {"hour": 9, "minute": 8, "second": 45}
